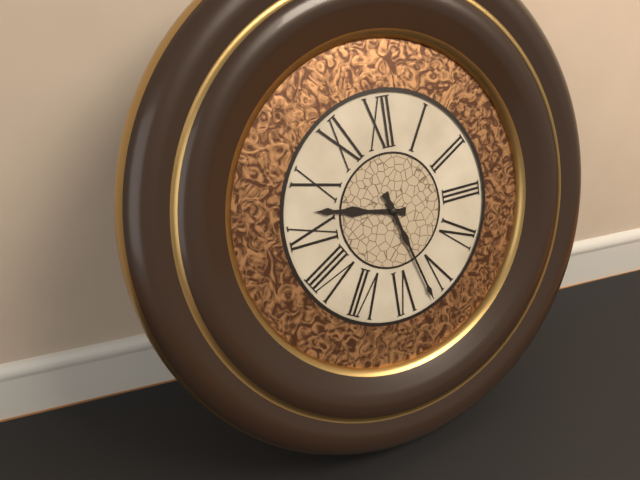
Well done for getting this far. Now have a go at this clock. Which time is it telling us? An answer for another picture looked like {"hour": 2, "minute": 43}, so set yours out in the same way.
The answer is {"hour": 9, "minute": 27}
